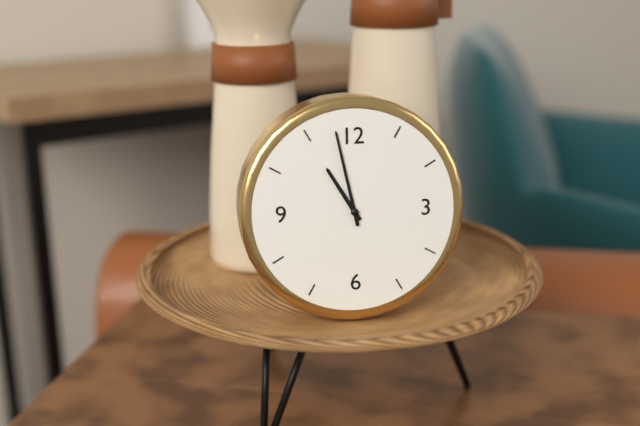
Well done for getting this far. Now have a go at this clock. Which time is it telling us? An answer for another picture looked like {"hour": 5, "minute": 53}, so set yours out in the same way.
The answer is {"hour": 10, "minute": 58}
